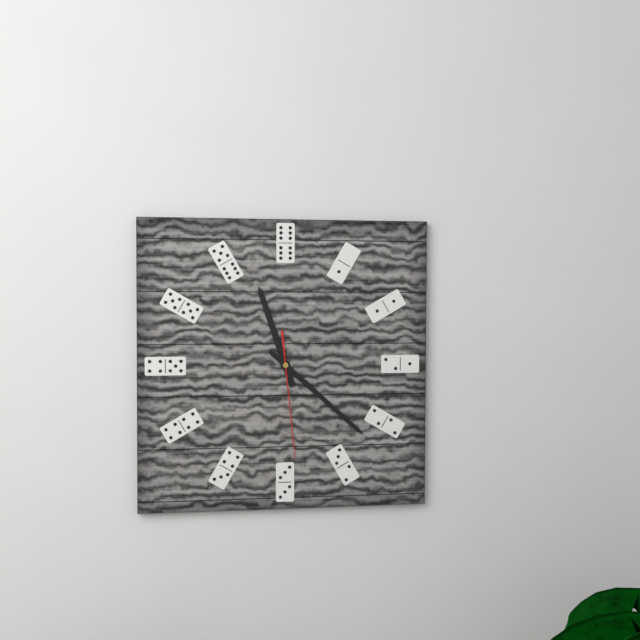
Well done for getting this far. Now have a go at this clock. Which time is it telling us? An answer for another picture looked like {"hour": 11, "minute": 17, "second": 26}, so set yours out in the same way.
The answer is {"hour": 11, "minute": 22, "second": 29}
